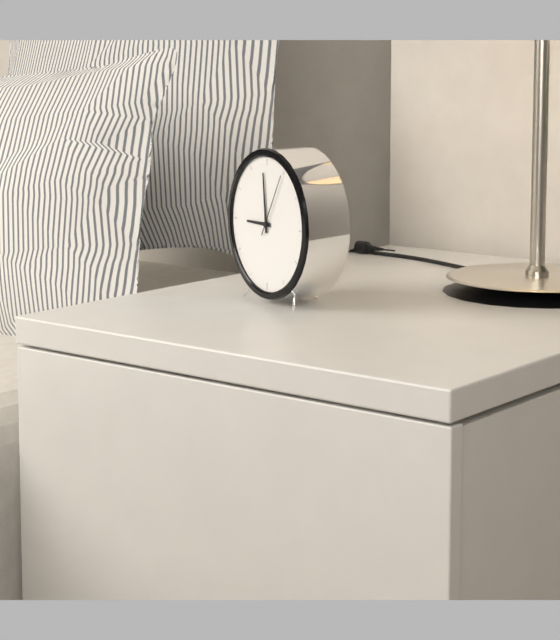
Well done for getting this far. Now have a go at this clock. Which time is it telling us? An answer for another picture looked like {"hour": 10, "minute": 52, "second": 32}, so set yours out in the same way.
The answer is {"hour": 8, "minute": 59, "second": 5}
